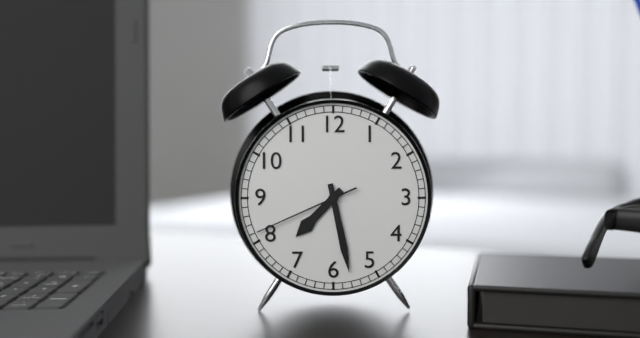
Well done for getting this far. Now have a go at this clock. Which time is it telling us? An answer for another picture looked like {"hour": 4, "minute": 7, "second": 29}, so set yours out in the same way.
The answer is {"hour": 7, "minute": 28, "second": 41}
